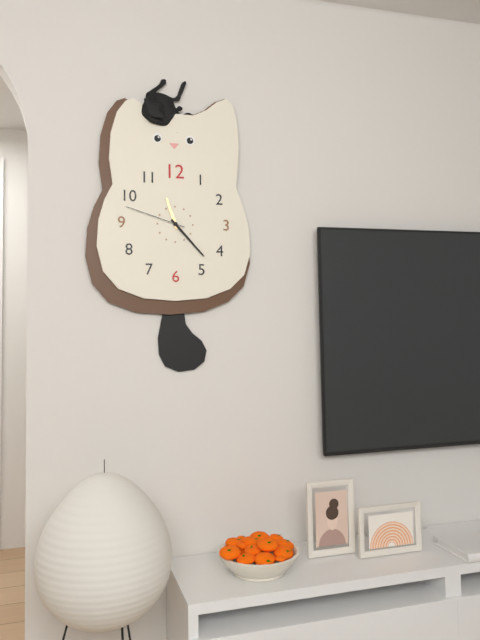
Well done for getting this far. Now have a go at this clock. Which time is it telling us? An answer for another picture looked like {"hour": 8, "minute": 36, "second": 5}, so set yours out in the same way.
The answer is {"hour": 11, "minute": 23, "second": 48}
